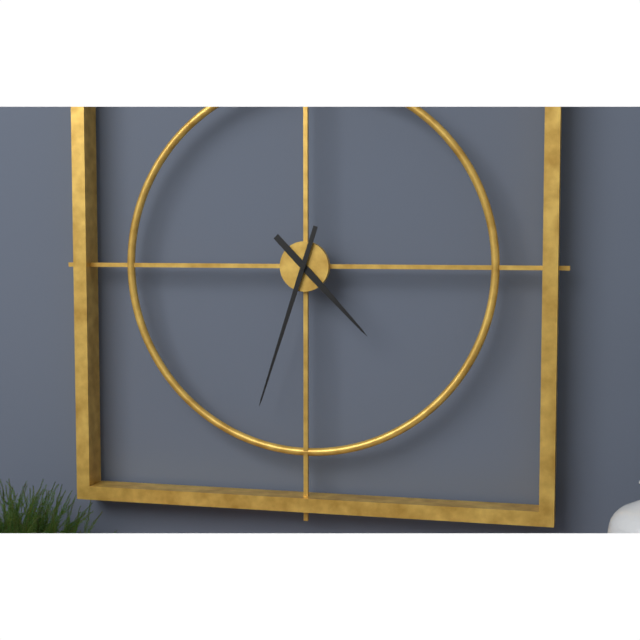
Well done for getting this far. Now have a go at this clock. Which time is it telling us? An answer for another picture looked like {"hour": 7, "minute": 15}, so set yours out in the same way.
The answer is {"hour": 4, "minute": 33}
